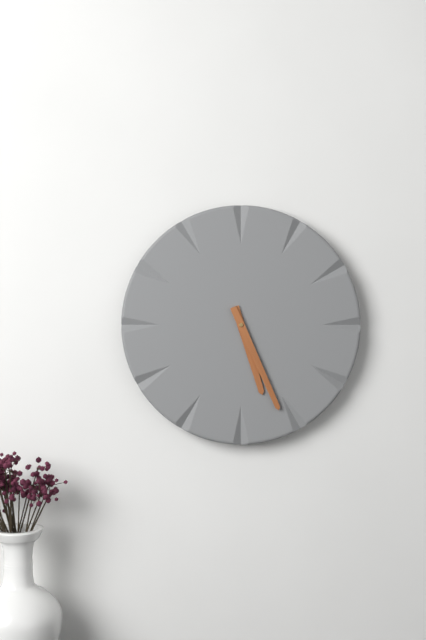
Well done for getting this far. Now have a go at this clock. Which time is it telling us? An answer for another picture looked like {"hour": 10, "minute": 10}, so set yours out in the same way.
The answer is {"hour": 5, "minute": 26}
